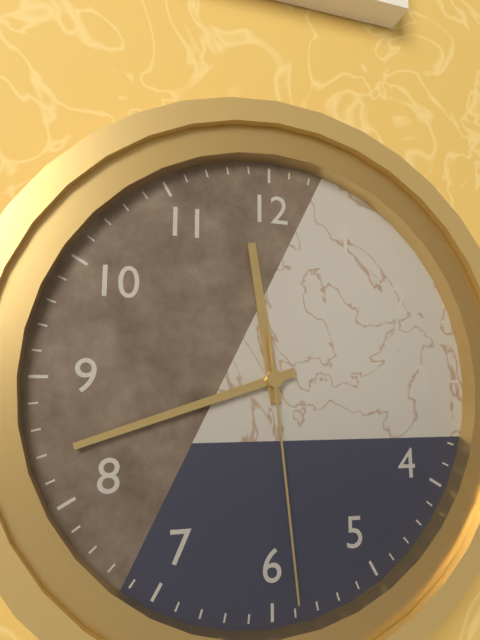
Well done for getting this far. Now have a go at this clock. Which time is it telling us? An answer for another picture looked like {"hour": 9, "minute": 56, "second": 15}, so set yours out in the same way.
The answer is {"hour": 11, "minute": 42, "second": 29}
